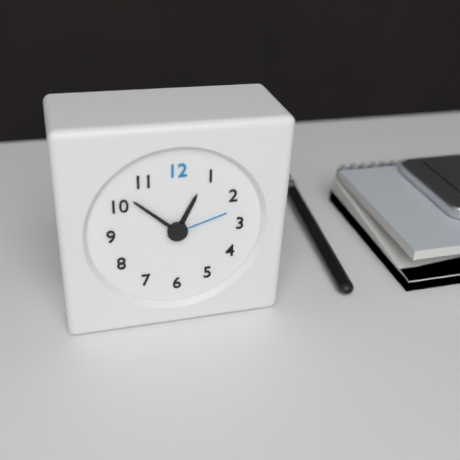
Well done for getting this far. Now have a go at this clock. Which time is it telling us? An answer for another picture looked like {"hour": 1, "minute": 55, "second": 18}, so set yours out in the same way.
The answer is {"hour": 12, "minute": 52, "second": 12}
